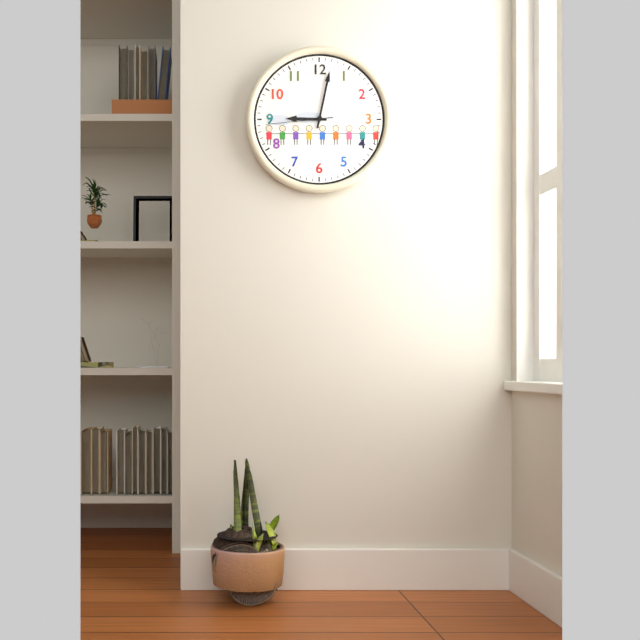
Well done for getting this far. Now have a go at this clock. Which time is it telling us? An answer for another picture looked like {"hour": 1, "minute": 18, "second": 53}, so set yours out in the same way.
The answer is {"hour": 9, "minute": 2, "second": 44}
